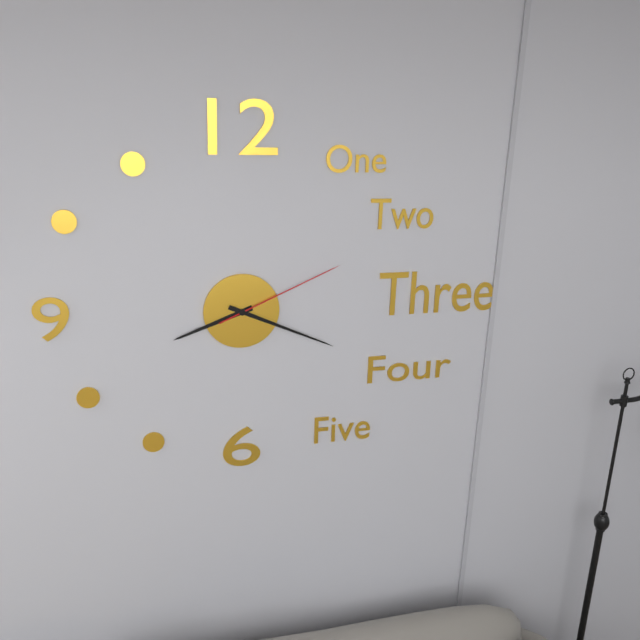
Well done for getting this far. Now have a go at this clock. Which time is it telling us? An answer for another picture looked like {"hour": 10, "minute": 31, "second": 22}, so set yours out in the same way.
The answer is {"hour": 8, "minute": 19, "second": 11}
